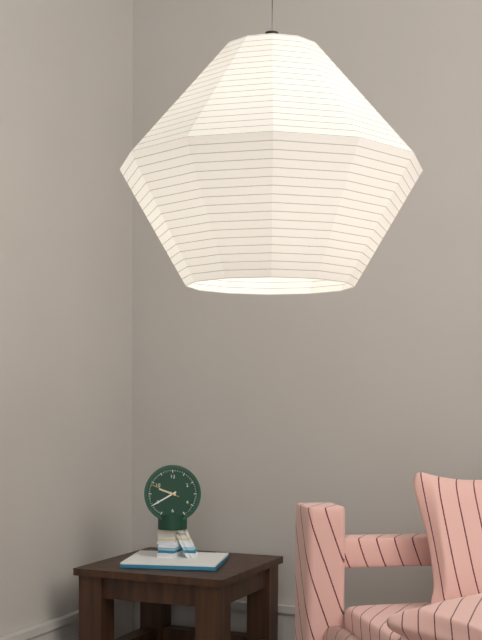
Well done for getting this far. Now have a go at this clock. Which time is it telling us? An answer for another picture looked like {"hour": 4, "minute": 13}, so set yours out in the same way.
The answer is {"hour": 9, "minute": 40}
